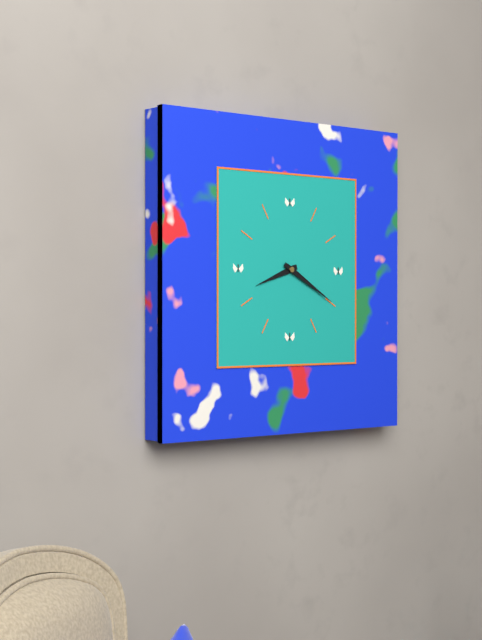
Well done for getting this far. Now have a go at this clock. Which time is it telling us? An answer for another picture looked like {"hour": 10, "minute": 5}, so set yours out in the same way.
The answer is {"hour": 8, "minute": 20}
